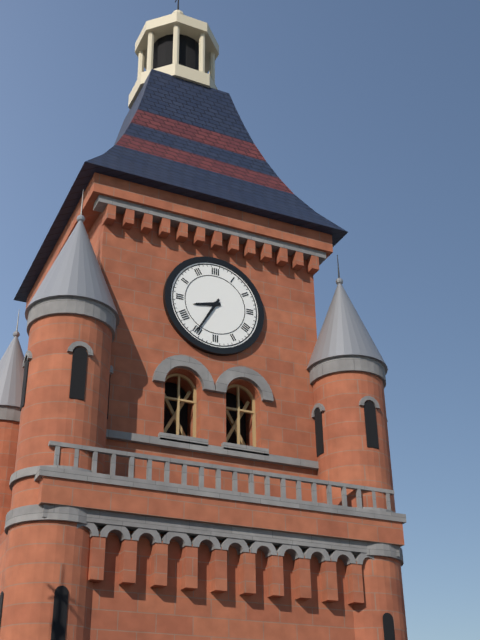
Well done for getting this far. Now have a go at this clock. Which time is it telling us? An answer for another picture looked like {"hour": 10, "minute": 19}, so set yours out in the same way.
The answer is {"hour": 8, "minute": 35}
